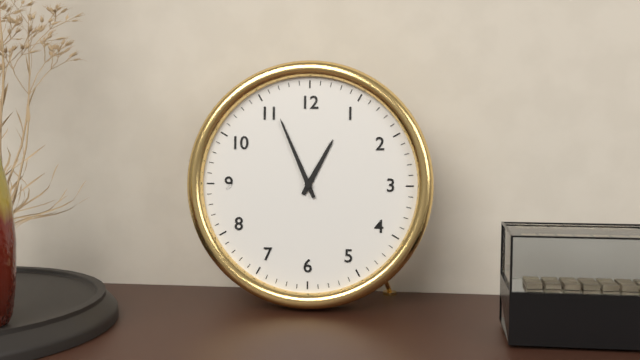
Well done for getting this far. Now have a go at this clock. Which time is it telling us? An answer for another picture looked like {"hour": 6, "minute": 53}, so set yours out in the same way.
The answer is {"hour": 12, "minute": 56}
